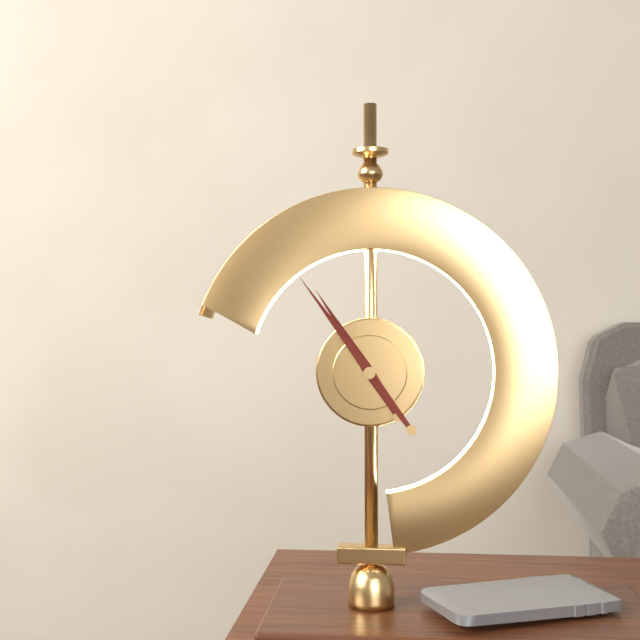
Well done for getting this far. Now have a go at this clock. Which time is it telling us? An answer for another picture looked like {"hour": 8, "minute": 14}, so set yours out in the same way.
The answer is {"hour": 10, "minute": 54}
